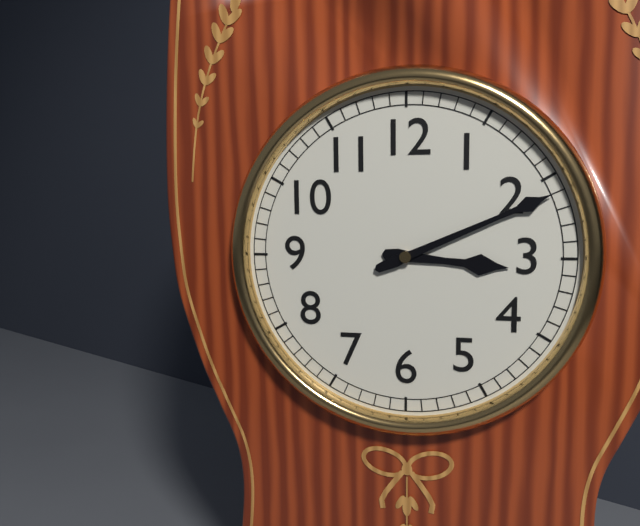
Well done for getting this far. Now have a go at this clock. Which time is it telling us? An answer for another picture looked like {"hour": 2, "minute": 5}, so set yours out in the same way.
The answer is {"hour": 3, "minute": 11}
